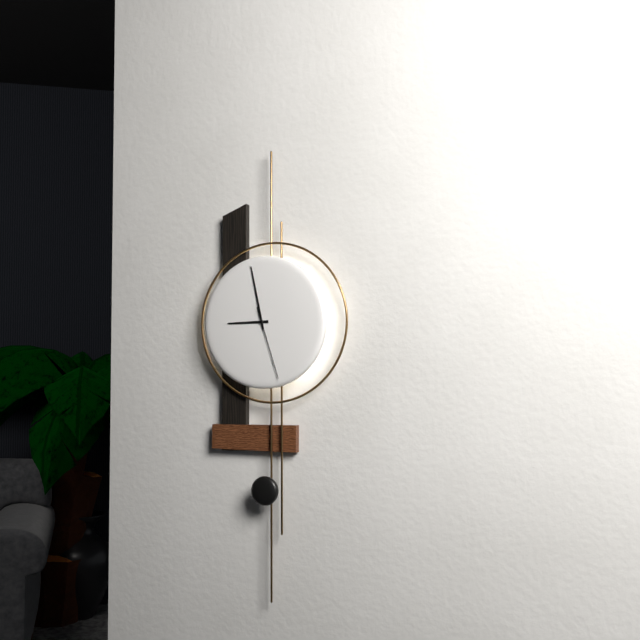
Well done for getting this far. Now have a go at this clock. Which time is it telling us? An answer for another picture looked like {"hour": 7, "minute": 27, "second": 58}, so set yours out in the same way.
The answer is {"hour": 8, "minute": 58, "second": 27}
